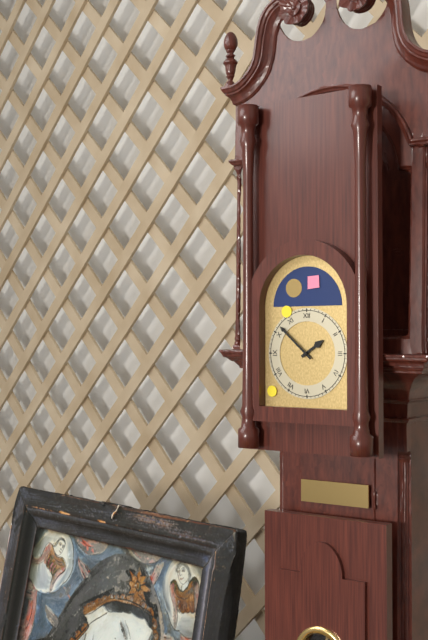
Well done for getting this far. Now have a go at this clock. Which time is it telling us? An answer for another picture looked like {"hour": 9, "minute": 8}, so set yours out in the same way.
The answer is {"hour": 1, "minute": 52}
